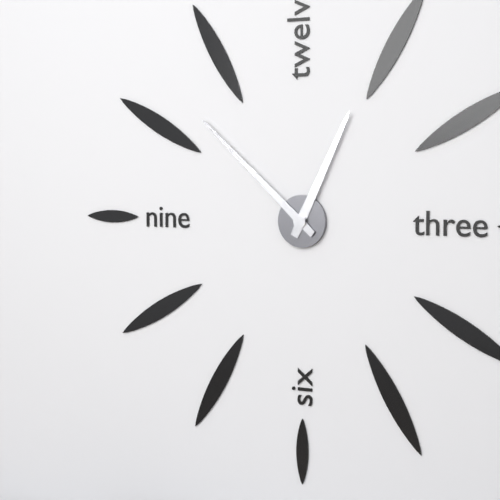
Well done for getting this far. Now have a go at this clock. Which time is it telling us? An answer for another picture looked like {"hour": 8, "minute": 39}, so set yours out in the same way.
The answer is {"hour": 12, "minute": 52}
